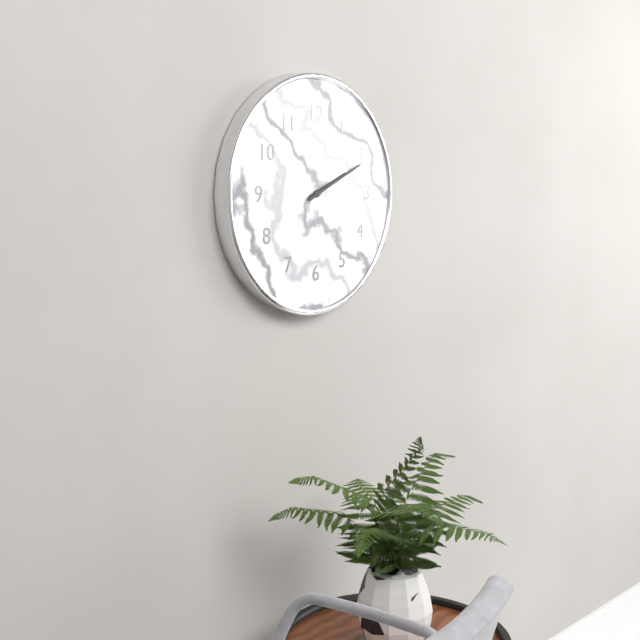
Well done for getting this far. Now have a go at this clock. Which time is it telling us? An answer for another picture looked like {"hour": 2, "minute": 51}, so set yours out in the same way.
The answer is {"hour": 2, "minute": 11}
